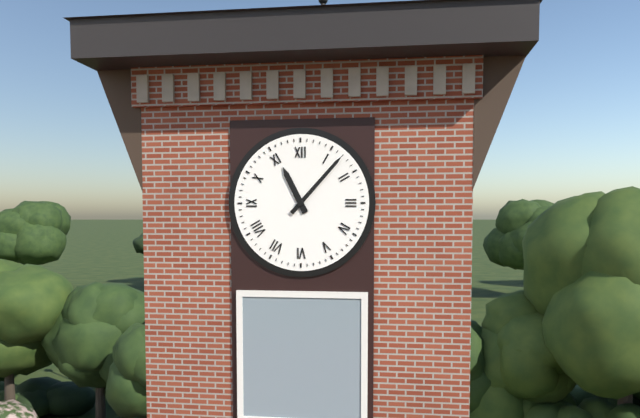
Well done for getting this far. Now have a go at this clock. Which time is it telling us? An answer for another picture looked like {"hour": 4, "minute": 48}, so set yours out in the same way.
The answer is {"hour": 11, "minute": 7}
